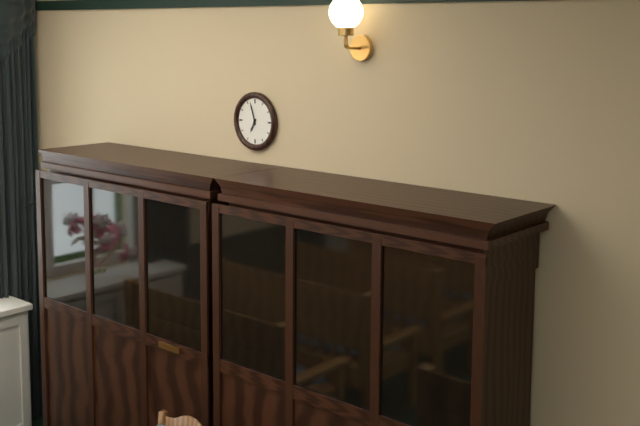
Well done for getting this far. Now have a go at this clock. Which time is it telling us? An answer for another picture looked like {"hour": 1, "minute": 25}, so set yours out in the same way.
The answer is {"hour": 6, "minute": 57}
